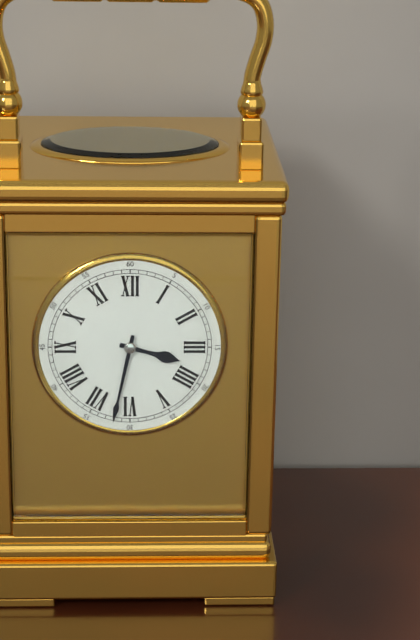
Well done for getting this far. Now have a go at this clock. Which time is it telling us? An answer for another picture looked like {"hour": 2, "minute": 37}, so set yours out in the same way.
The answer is {"hour": 3, "minute": 32}
